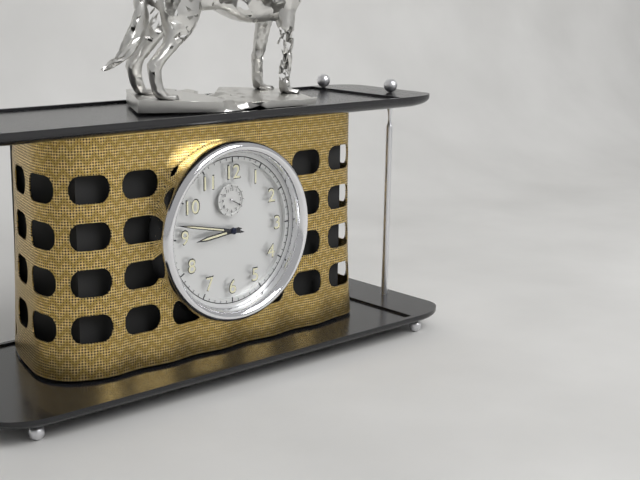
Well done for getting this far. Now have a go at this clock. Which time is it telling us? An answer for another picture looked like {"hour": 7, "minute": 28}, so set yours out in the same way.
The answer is {"hour": 8, "minute": 47}
